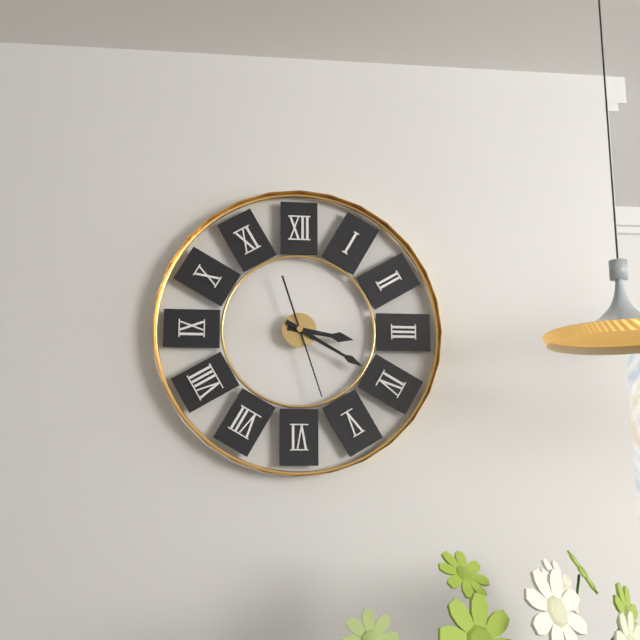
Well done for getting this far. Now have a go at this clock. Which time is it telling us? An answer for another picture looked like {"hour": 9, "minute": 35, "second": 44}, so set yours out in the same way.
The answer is {"hour": 3, "minute": 20, "second": 27}
